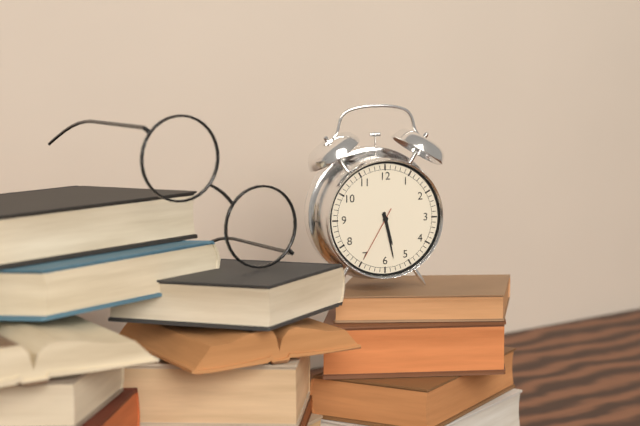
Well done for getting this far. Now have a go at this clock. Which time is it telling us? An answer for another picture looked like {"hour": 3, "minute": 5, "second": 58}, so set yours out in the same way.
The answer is {"hour": 5, "minute": 28, "second": 35}
